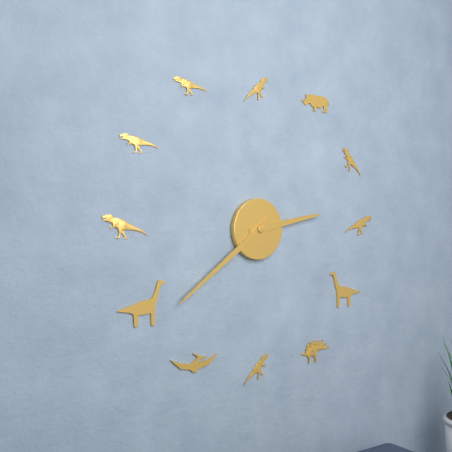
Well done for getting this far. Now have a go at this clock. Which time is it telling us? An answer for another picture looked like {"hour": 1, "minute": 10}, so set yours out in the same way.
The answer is {"hour": 2, "minute": 39}
